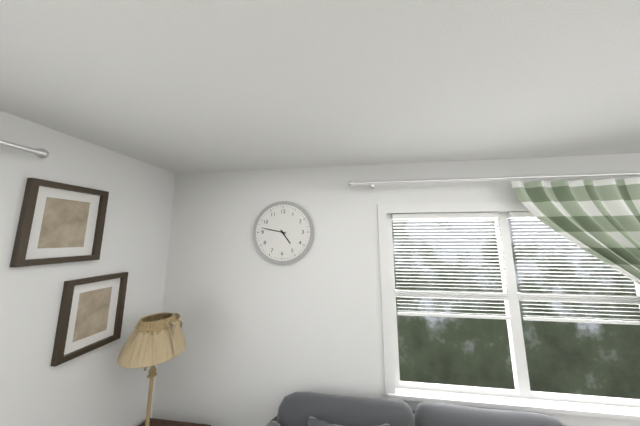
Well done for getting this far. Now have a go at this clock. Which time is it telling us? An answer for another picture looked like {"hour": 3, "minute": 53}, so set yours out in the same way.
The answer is {"hour": 4, "minute": 47}
